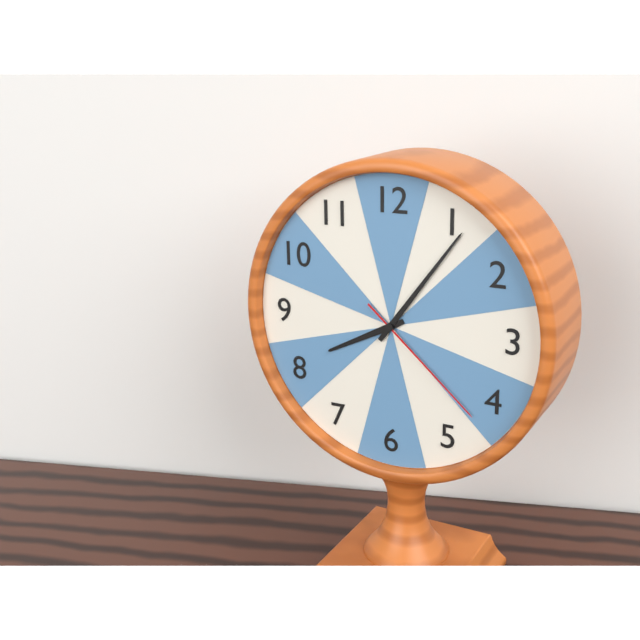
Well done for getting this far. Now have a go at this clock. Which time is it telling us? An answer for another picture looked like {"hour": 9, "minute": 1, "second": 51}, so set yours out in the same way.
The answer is {"hour": 8, "minute": 6, "second": 22}
